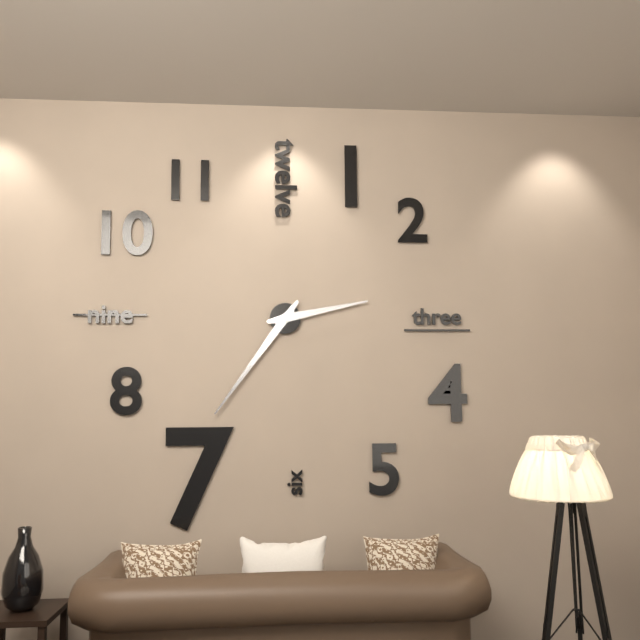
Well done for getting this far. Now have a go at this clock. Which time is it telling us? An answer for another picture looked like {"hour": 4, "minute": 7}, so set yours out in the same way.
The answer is {"hour": 2, "minute": 36}
